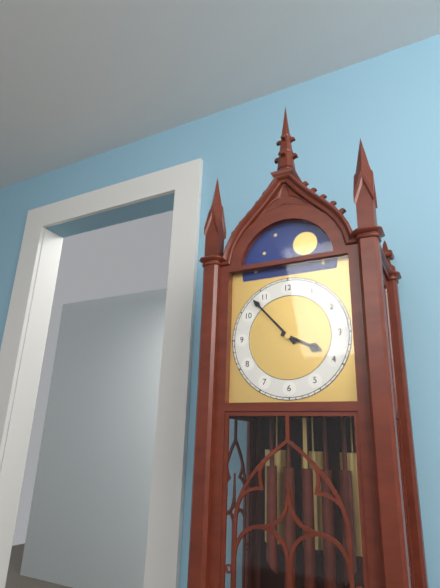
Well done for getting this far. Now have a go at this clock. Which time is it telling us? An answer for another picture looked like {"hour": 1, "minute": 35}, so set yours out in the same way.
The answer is {"hour": 3, "minute": 53}
